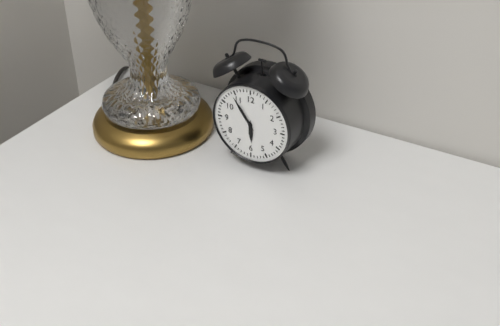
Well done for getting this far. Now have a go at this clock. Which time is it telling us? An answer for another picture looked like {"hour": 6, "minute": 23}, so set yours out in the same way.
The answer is {"hour": 5, "minute": 54}
